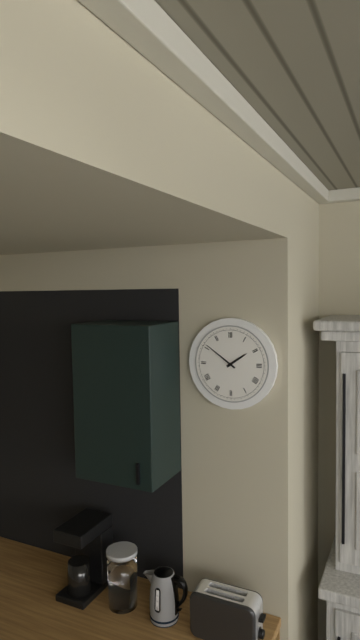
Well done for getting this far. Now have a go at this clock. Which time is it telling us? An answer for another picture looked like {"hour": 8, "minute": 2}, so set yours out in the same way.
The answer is {"hour": 1, "minute": 51}
